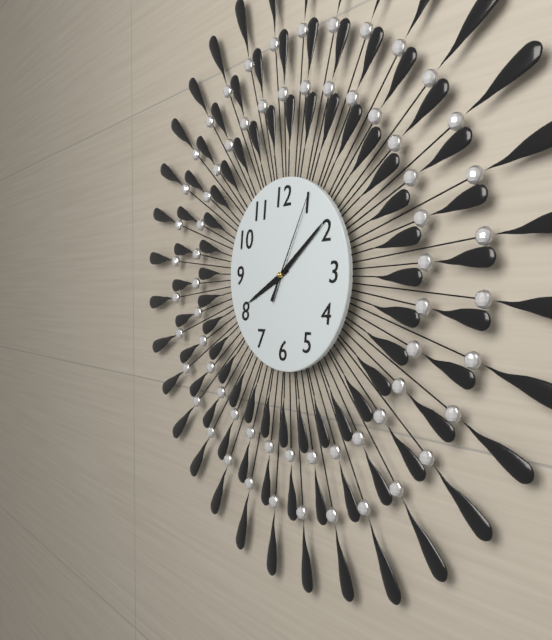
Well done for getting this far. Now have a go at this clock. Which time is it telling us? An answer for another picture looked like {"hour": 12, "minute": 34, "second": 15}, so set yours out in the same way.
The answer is {"hour": 8, "minute": 9, "second": 5}
